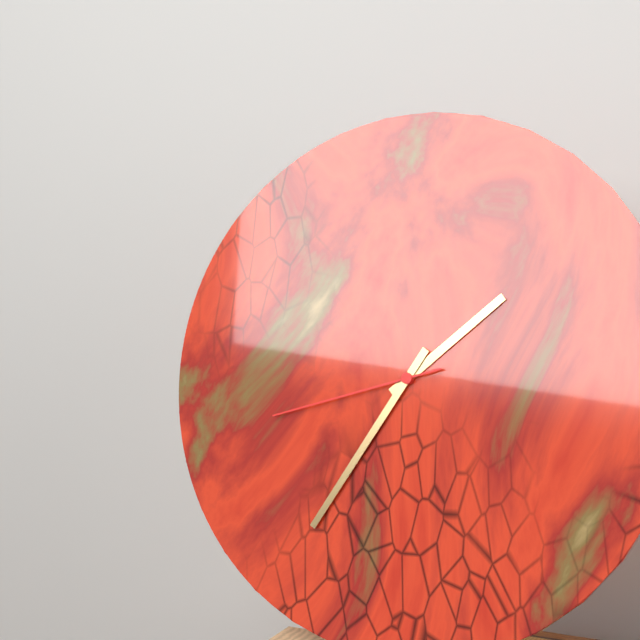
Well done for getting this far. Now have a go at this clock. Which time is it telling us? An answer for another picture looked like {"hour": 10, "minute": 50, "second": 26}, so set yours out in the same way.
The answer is {"hour": 1, "minute": 35, "second": 42}
